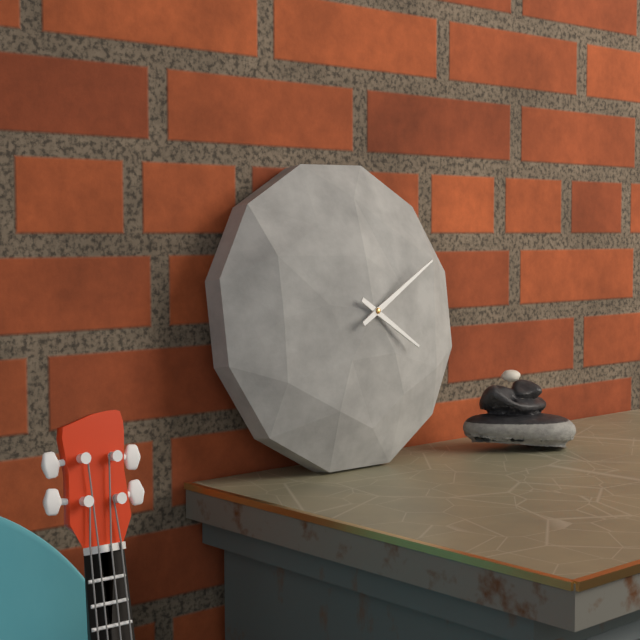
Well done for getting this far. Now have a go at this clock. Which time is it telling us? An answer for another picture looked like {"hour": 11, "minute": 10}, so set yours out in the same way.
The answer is {"hour": 4, "minute": 10}
